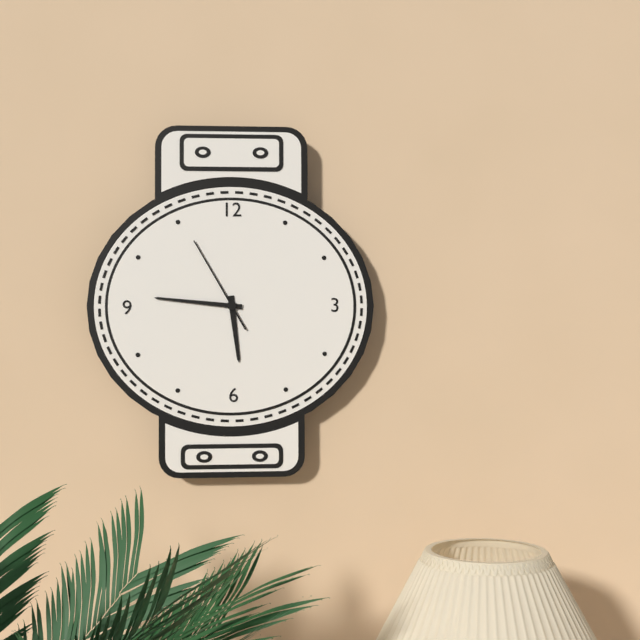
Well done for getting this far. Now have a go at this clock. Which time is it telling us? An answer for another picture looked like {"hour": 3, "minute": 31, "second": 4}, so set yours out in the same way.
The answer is {"hour": 5, "minute": 46, "second": 55}
